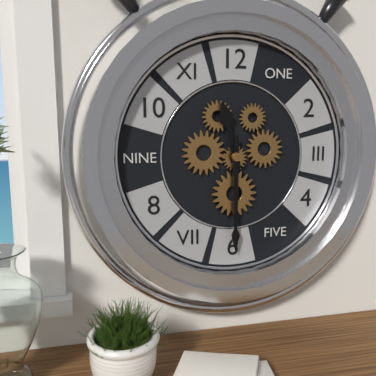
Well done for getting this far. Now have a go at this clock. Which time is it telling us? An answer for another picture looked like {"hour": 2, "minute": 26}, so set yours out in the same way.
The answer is {"hour": 11, "minute": 30}
